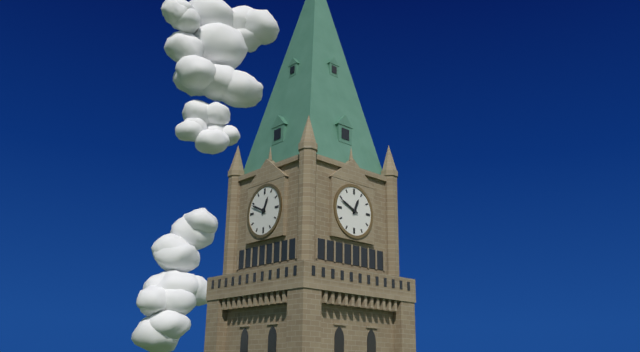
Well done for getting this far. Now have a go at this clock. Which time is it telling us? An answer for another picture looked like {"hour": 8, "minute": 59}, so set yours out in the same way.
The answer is {"hour": 12, "minute": 49}
